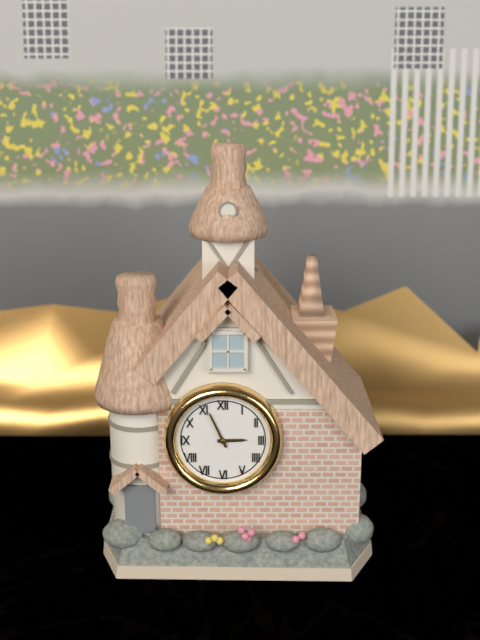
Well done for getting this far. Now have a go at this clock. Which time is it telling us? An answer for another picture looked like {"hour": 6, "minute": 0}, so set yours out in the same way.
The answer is {"hour": 2, "minute": 56}
